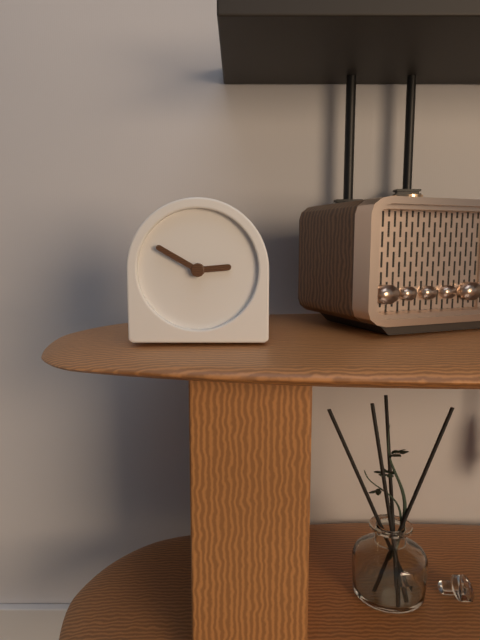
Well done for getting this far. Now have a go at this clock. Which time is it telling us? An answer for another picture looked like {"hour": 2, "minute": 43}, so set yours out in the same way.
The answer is {"hour": 2, "minute": 50}
